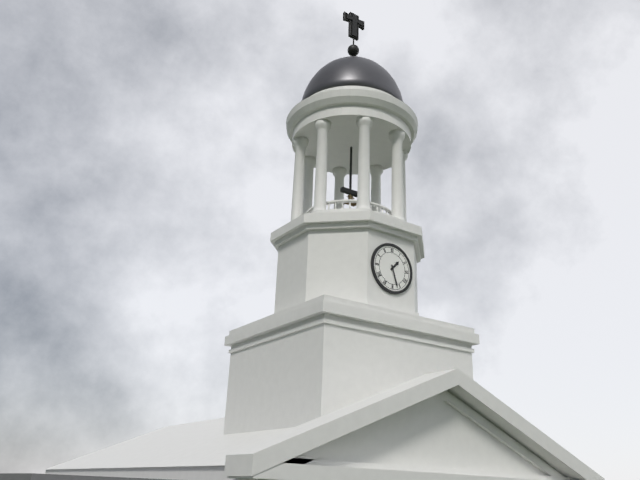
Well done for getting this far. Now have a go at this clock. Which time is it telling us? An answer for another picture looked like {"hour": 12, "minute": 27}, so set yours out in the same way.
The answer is {"hour": 1, "minute": 27}
